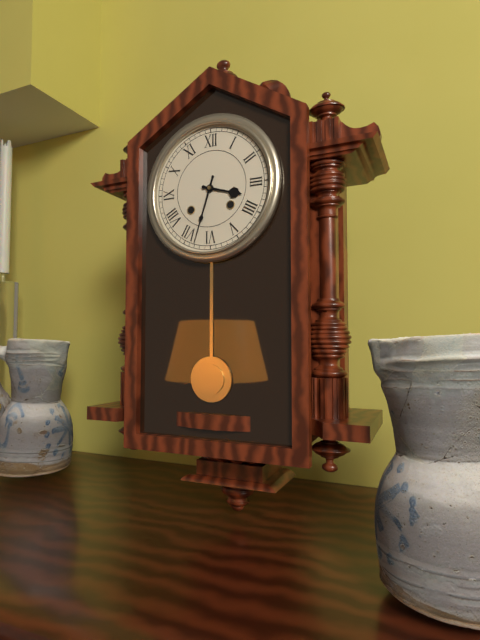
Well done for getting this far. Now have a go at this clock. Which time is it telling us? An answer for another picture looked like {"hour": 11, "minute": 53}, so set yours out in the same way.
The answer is {"hour": 3, "minute": 33}
